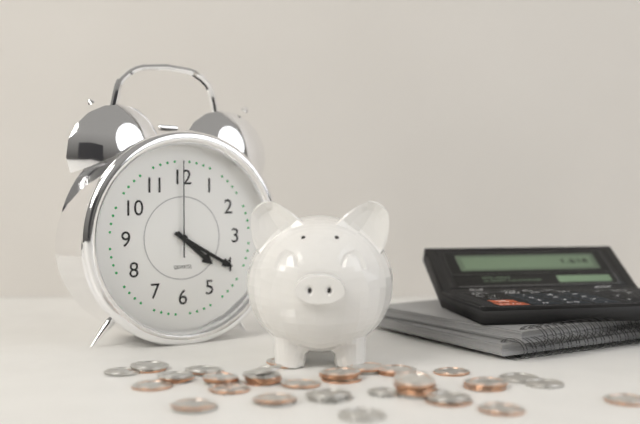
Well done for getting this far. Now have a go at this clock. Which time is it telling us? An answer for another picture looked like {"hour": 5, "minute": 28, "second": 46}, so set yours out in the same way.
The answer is {"hour": 4, "minute": 20, "second": 0}
